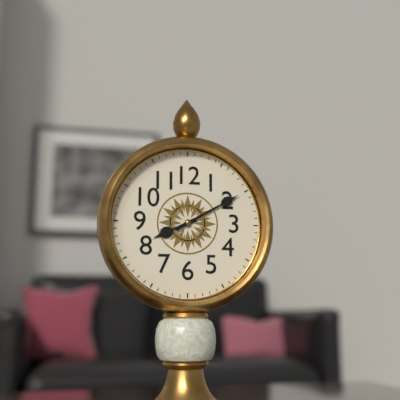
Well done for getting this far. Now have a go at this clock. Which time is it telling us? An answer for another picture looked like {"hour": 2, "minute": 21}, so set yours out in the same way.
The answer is {"hour": 8, "minute": 10}
